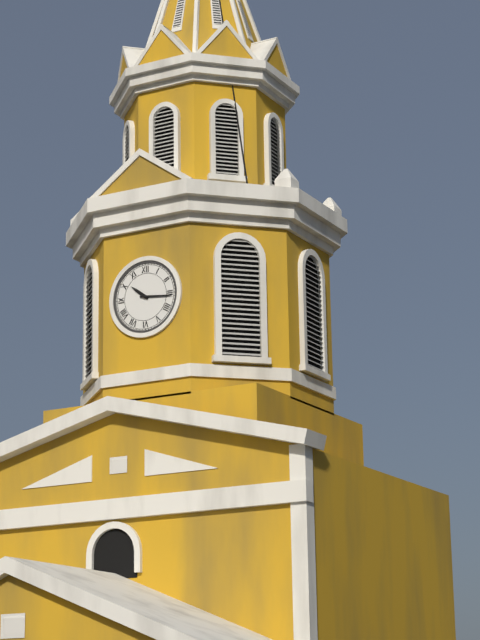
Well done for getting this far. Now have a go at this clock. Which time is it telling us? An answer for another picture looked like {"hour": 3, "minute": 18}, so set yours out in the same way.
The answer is {"hour": 10, "minute": 16}
